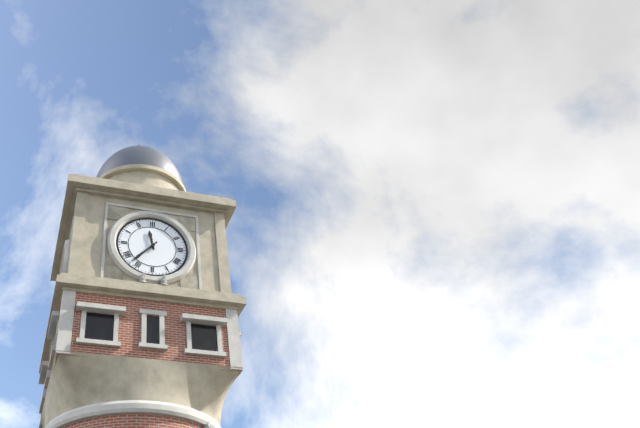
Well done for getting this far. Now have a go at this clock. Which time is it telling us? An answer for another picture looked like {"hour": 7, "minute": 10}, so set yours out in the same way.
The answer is {"hour": 11, "minute": 37}
